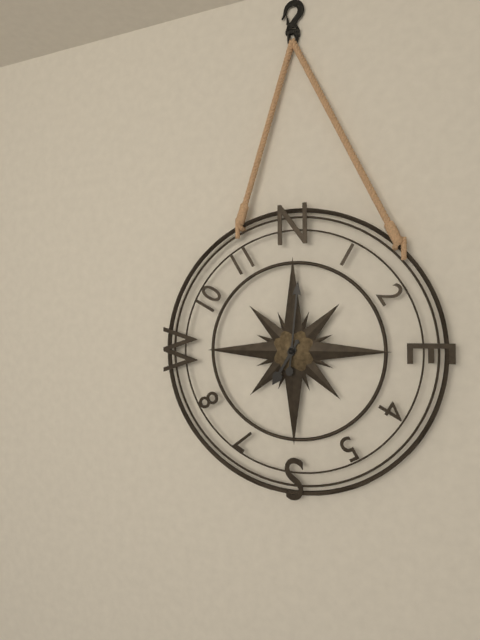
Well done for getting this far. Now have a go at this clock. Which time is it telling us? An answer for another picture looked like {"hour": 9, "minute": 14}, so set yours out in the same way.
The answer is {"hour": 7, "minute": 1}
